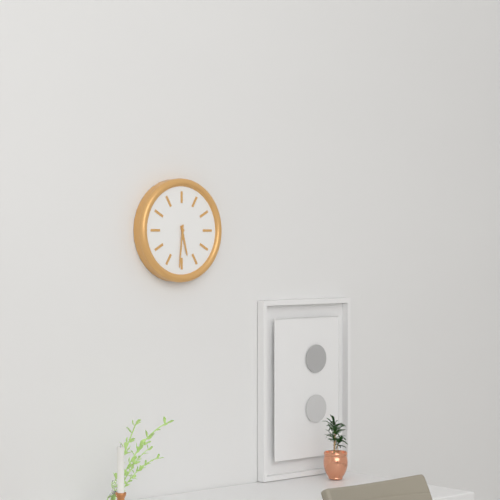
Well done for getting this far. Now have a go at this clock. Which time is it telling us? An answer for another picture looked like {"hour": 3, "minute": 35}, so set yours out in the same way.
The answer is {"hour": 5, "minute": 31}
